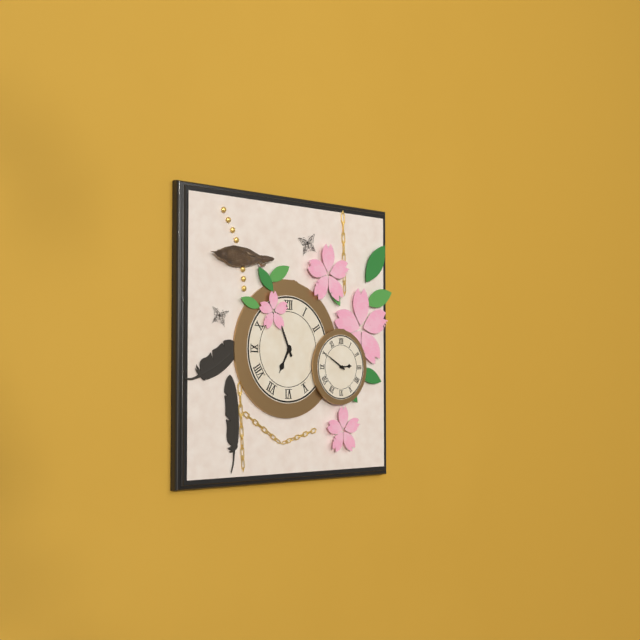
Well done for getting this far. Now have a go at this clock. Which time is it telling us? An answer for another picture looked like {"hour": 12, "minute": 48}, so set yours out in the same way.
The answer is {"hour": 6, "minute": 56}
